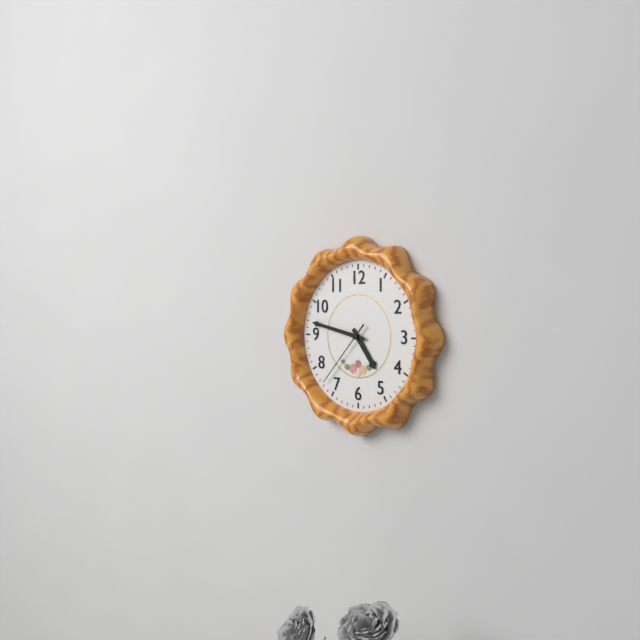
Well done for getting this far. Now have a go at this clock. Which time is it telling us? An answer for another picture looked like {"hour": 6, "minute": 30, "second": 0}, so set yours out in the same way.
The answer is {"hour": 4, "minute": 47, "second": 37}
